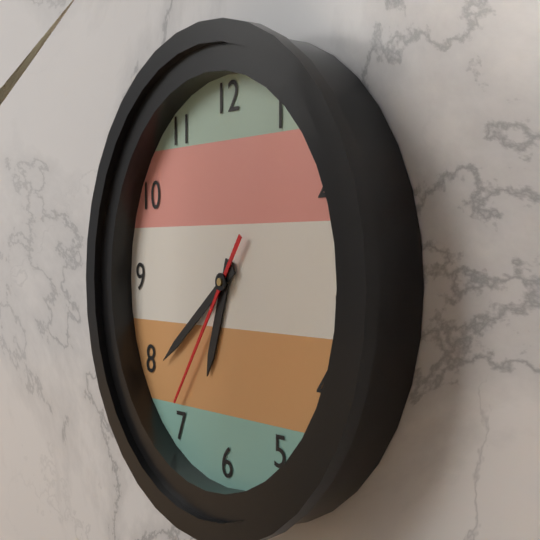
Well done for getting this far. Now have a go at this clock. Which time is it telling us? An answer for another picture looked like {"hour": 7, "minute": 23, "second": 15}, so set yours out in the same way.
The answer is {"hour": 6, "minute": 39, "second": 36}
